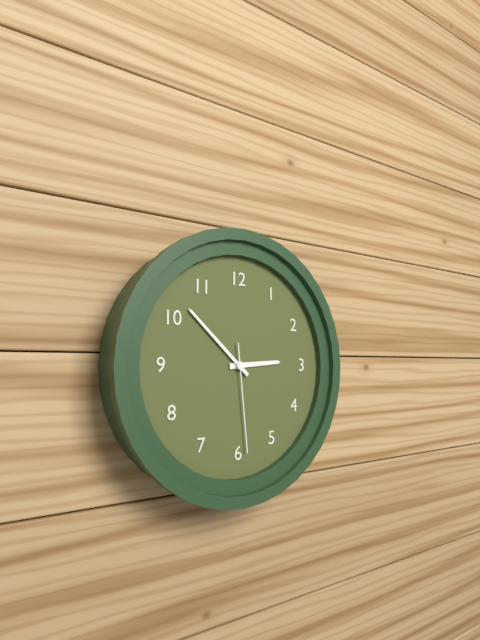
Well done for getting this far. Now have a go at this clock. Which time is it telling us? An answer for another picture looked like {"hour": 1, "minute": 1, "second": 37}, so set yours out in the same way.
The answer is {"hour": 2, "minute": 52, "second": 29}
